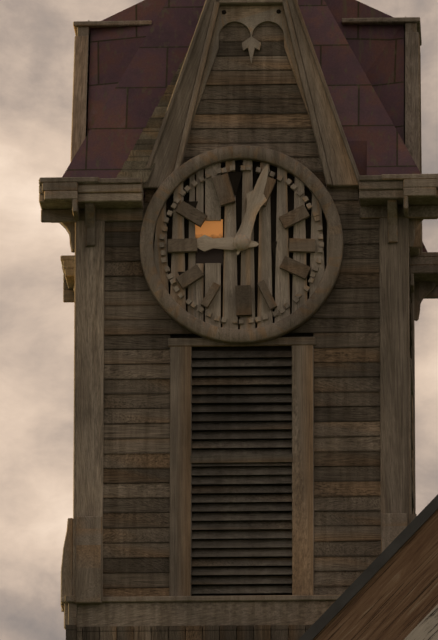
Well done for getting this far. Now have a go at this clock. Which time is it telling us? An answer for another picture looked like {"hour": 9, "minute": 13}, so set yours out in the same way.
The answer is {"hour": 9, "minute": 3}
